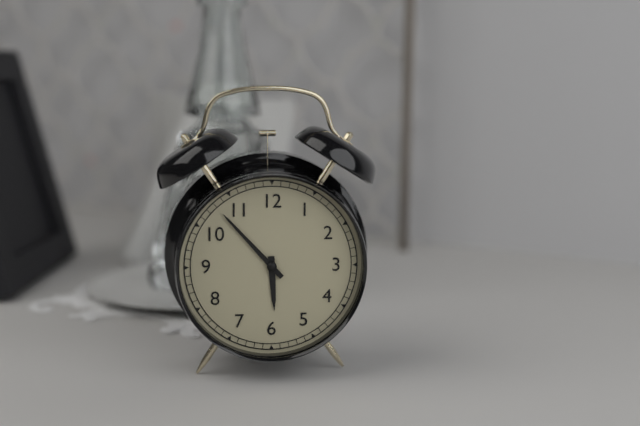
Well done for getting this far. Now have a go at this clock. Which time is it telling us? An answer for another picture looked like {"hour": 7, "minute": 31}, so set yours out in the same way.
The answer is {"hour": 5, "minute": 53}
